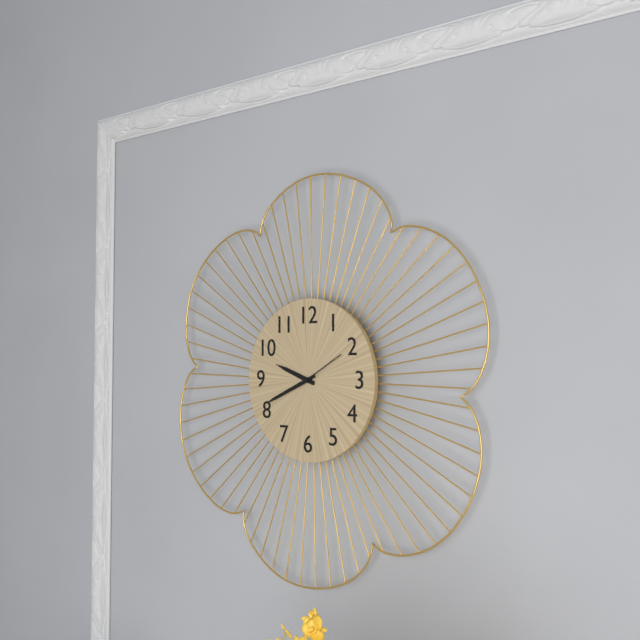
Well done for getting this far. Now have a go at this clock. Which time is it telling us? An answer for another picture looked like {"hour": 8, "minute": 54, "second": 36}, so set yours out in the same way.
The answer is {"hour": 9, "minute": 41, "second": 10}
